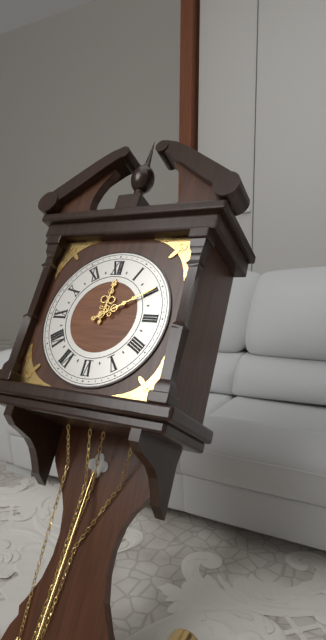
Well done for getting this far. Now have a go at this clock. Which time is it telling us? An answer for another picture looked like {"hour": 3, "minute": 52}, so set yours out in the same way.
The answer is {"hour": 12, "minute": 10}
